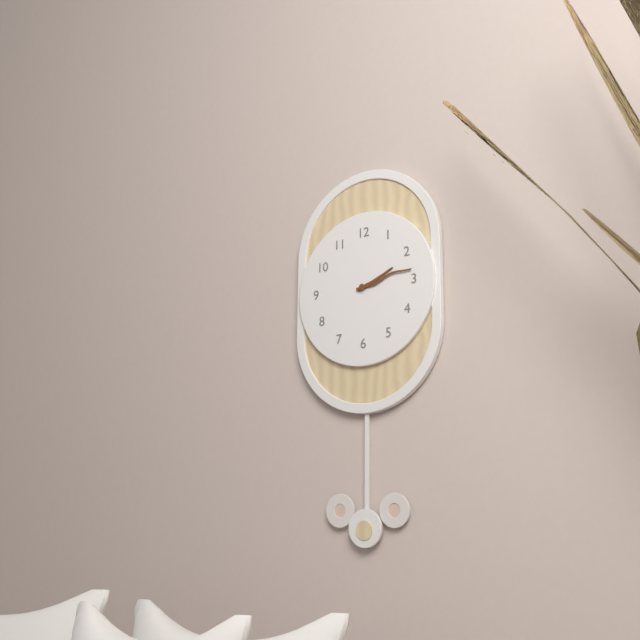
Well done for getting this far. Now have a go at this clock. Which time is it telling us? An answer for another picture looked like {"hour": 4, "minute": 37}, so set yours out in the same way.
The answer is {"hour": 2, "minute": 13}
